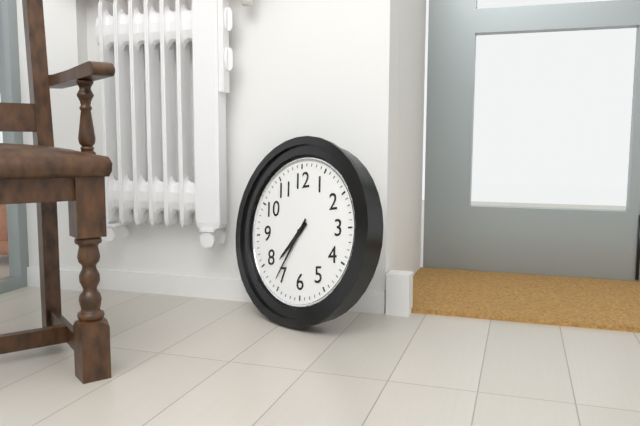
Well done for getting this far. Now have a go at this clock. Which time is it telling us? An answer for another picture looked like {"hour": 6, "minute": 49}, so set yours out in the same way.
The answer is {"hour": 7, "minute": 36}
